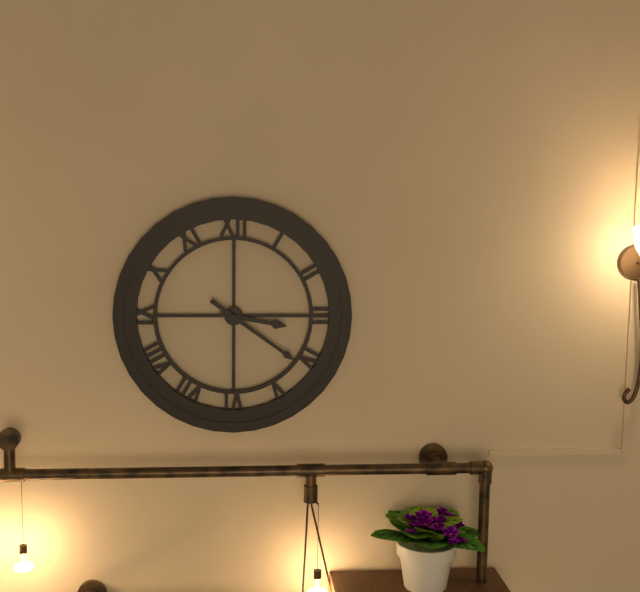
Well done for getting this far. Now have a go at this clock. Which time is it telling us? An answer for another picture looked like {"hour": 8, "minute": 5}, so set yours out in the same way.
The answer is {"hour": 3, "minute": 21}
